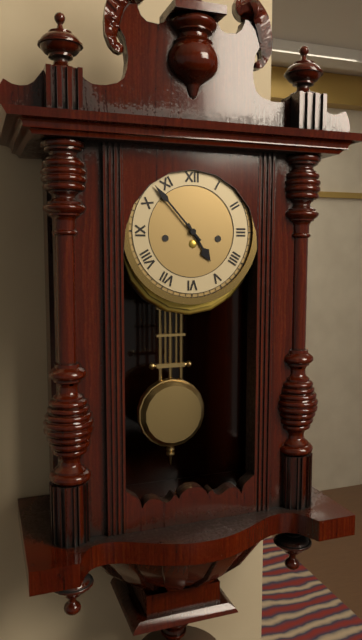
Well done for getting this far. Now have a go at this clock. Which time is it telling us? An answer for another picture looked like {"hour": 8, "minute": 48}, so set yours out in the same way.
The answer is {"hour": 4, "minute": 53}
